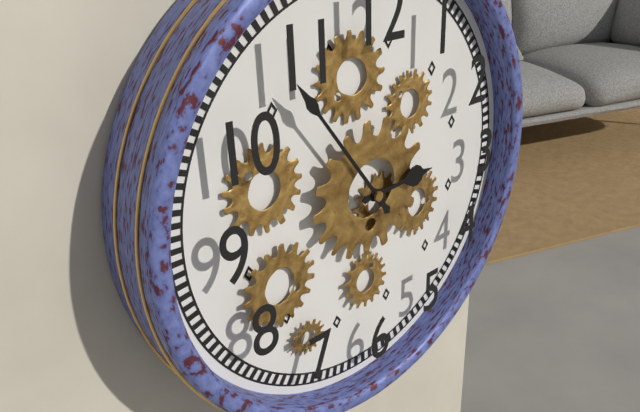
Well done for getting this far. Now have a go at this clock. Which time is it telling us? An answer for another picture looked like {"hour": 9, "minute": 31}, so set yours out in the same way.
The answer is {"hour": 2, "minute": 54}
